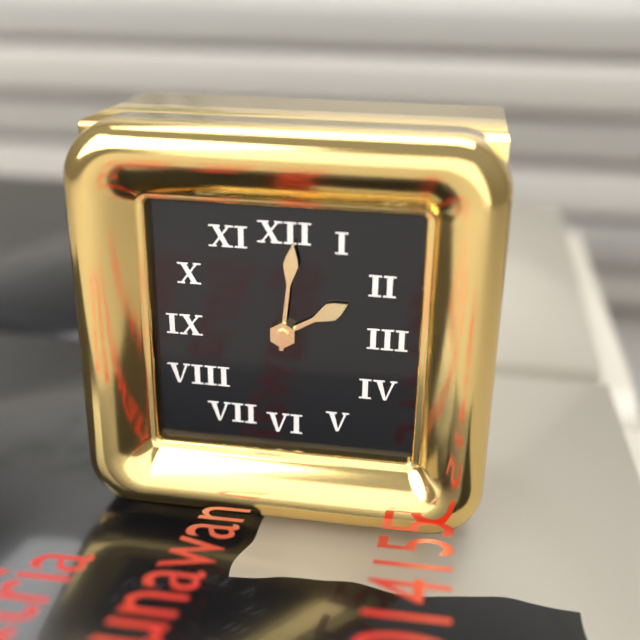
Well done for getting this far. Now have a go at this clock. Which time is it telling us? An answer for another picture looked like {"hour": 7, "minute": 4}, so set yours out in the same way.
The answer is {"hour": 2, "minute": 1}
